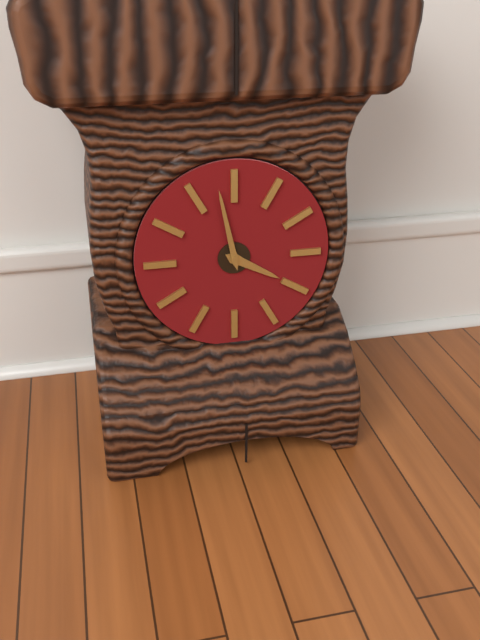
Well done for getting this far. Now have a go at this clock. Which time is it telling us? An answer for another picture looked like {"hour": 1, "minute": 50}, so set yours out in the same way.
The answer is {"hour": 3, "minute": 58}
